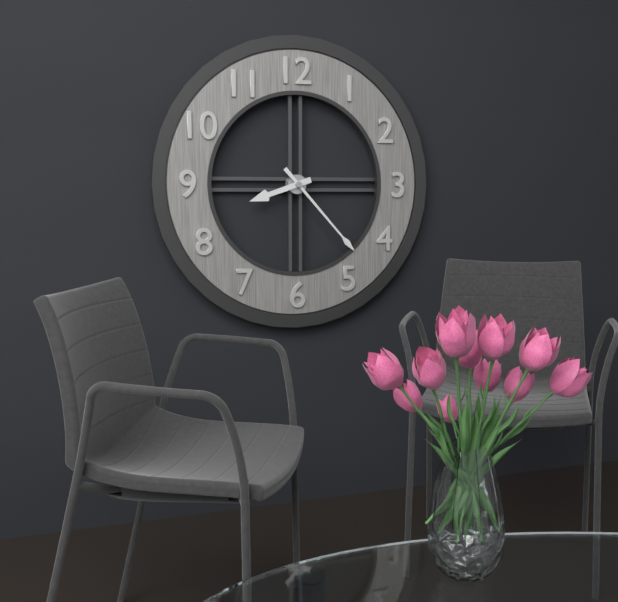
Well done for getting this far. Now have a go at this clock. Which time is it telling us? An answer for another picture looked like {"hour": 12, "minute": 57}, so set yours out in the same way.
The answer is {"hour": 8, "minute": 23}
